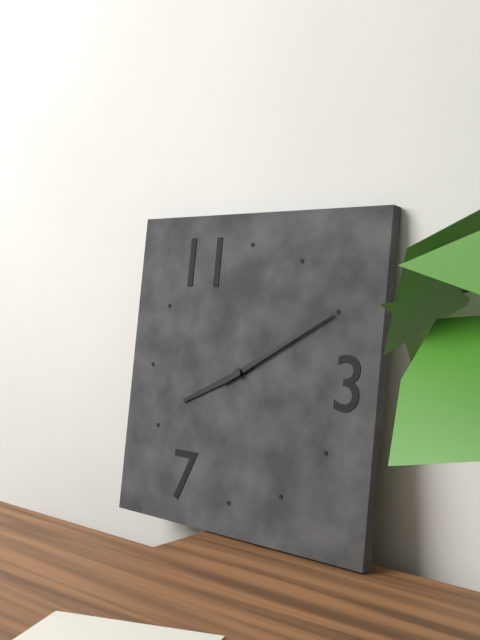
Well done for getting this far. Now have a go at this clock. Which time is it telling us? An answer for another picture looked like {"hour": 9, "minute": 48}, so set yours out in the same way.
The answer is {"hour": 8, "minute": 10}
